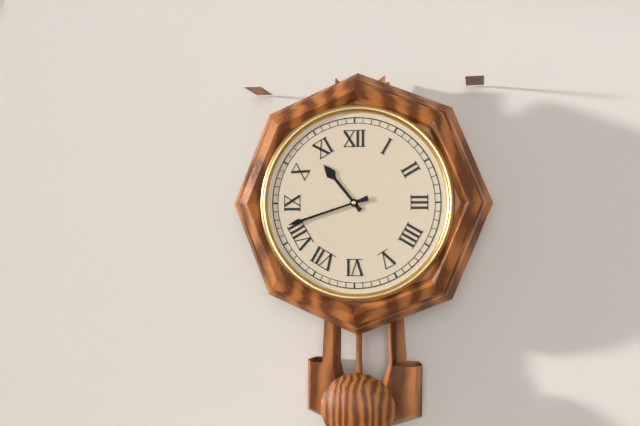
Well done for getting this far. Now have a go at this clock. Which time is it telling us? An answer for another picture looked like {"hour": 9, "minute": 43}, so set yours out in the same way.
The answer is {"hour": 10, "minute": 42}
